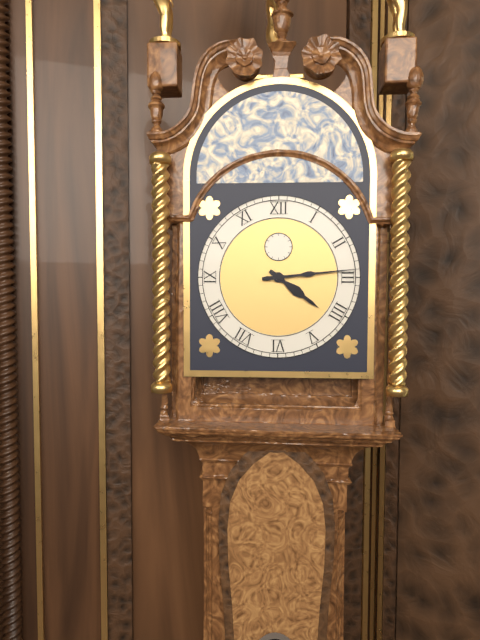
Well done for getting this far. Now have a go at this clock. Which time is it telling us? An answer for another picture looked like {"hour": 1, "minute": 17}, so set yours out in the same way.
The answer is {"hour": 4, "minute": 14}
